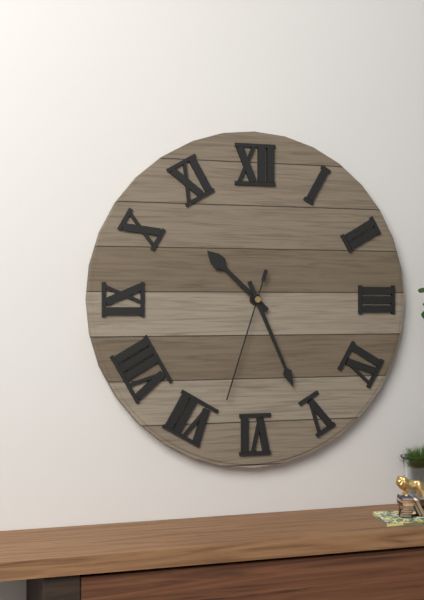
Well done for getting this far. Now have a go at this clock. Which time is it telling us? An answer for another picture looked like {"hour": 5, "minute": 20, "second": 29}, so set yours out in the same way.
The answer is {"hour": 10, "minute": 26, "second": 33}
